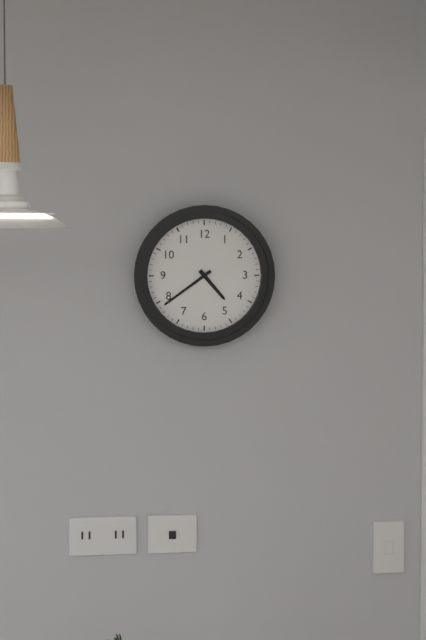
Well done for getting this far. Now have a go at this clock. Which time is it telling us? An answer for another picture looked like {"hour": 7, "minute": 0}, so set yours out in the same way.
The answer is {"hour": 4, "minute": 39}
